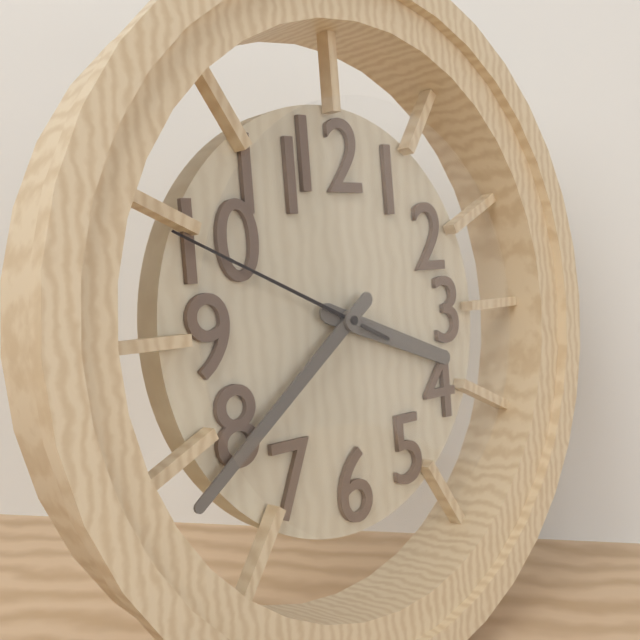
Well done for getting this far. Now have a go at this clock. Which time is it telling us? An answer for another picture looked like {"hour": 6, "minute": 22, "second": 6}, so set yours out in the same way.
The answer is {"hour": 3, "minute": 39, "second": 49}
